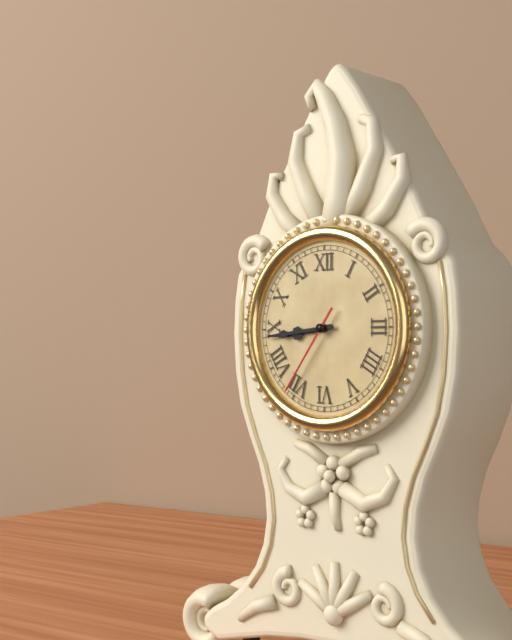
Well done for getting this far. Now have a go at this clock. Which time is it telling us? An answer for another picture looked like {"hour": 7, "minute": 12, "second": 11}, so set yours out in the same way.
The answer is {"hour": 8, "minute": 44, "second": 36}
